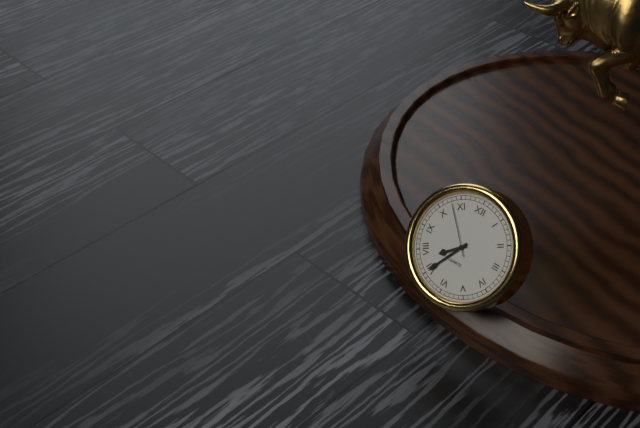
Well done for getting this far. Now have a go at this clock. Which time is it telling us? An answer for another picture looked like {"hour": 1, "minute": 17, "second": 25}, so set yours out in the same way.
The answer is {"hour": 7, "minute": 35, "second": 53}
